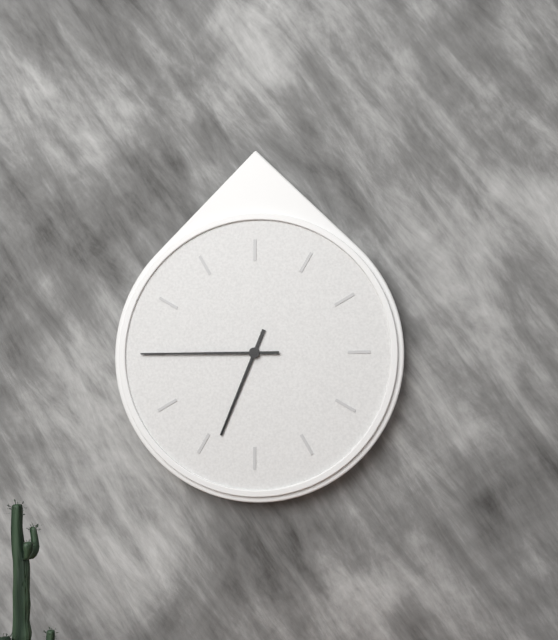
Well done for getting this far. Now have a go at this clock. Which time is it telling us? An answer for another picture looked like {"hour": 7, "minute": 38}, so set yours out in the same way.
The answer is {"hour": 6, "minute": 45}
